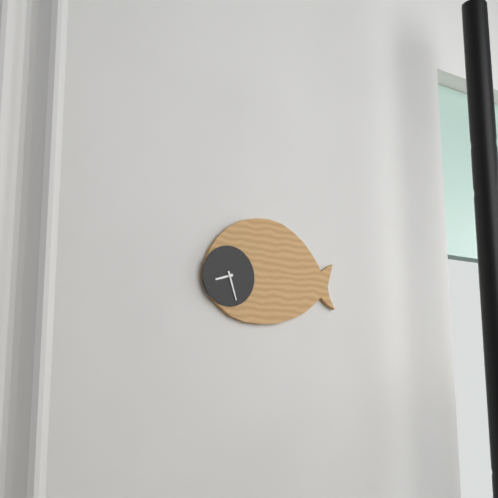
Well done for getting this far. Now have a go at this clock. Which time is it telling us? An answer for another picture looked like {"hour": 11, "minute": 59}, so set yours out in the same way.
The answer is {"hour": 8, "minute": 27}
